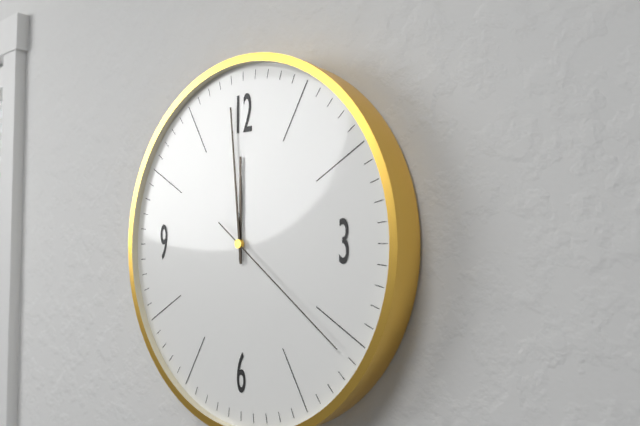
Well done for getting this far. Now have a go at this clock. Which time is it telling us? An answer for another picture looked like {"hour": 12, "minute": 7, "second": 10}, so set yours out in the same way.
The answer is {"hour": 11, "minute": 59, "second": 21}
